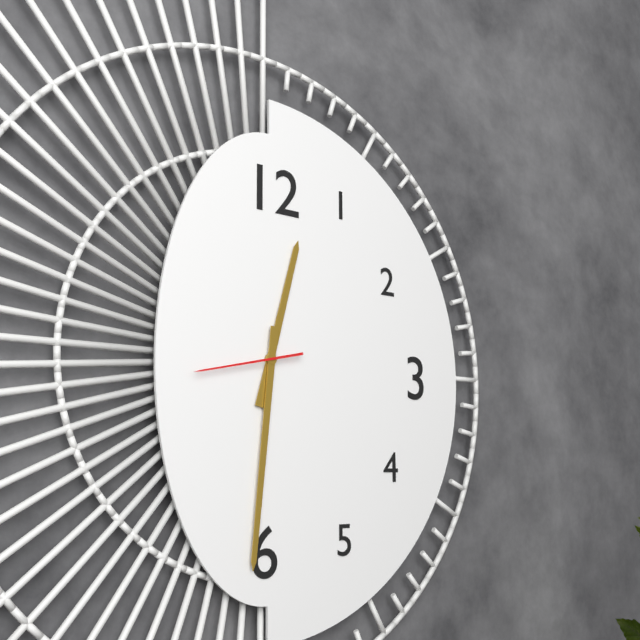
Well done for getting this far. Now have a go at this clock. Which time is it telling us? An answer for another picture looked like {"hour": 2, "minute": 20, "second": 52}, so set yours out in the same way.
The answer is {"hour": 12, "minute": 31, "second": 43}
